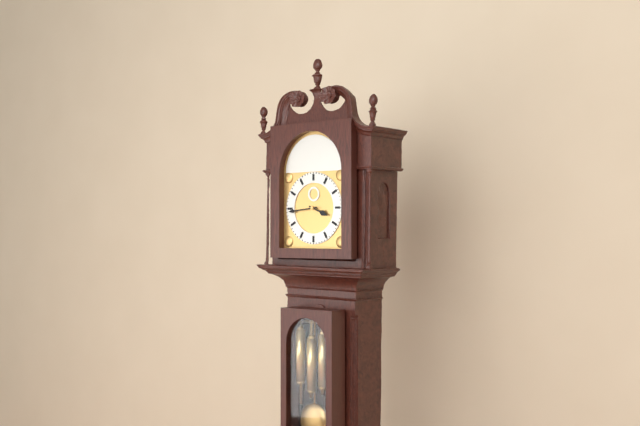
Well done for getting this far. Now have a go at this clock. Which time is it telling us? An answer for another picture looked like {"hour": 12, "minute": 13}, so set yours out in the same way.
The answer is {"hour": 3, "minute": 44}
